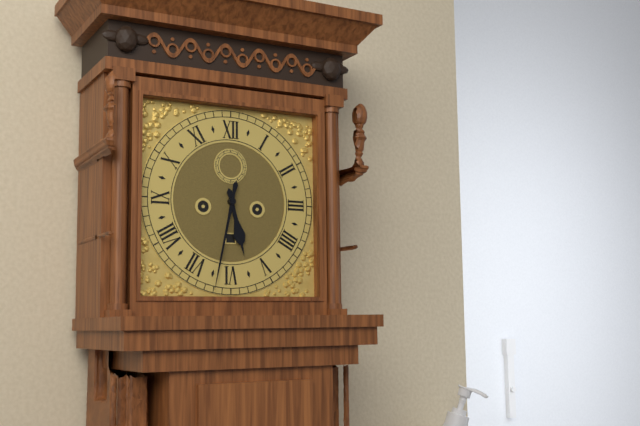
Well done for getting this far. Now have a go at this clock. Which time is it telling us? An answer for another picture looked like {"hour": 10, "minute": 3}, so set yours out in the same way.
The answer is {"hour": 5, "minute": 32}
